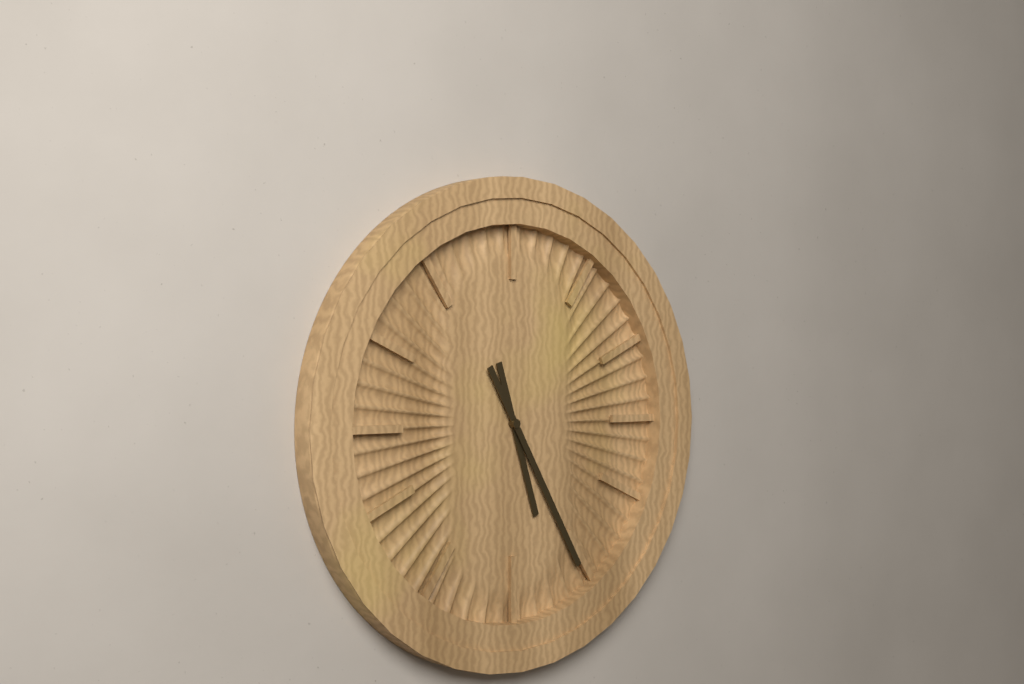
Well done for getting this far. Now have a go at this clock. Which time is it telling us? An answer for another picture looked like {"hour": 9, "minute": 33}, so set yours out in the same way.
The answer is {"hour": 5, "minute": 25}
